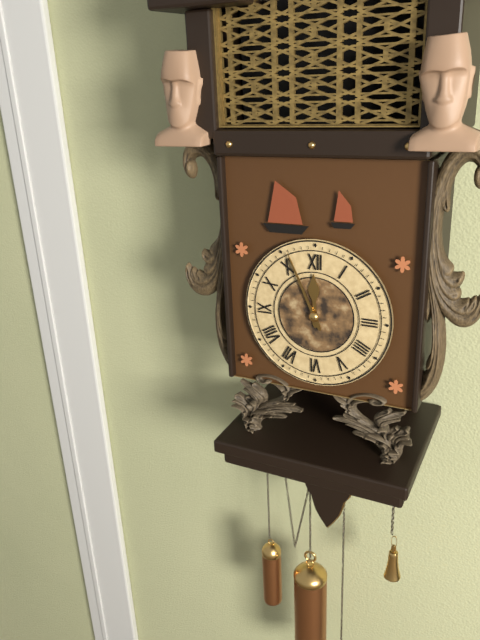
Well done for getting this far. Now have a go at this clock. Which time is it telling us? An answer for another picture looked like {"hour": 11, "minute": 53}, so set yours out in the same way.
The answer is {"hour": 11, "minute": 56}
